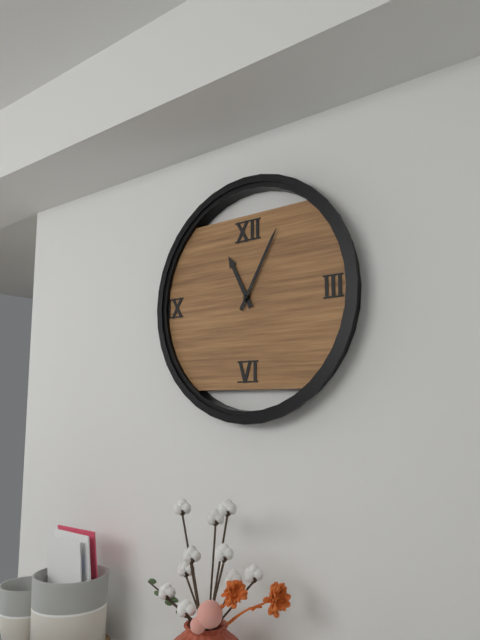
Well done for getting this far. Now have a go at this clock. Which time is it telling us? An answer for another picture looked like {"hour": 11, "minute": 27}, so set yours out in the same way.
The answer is {"hour": 11, "minute": 5}
